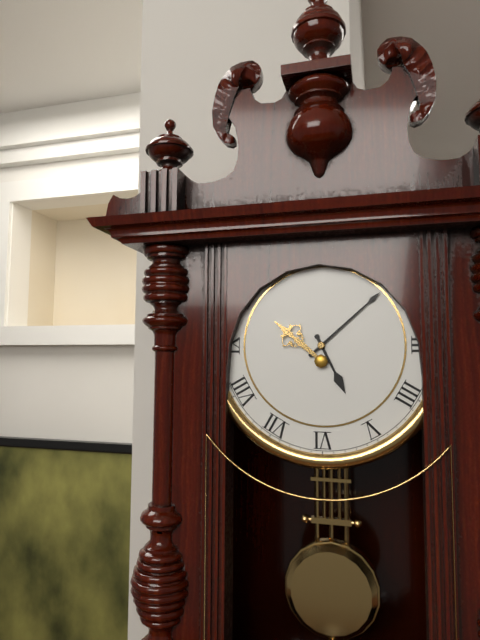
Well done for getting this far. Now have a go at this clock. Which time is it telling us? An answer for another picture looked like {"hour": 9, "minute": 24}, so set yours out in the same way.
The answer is {"hour": 5, "minute": 8}
